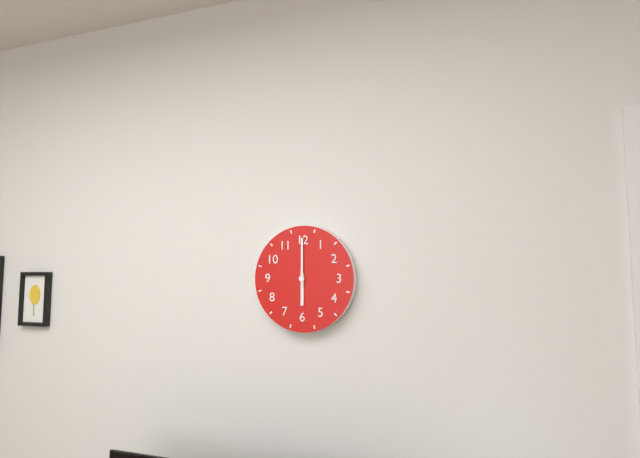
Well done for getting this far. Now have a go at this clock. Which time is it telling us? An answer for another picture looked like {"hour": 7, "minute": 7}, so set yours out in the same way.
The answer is {"hour": 6, "minute": 0}
